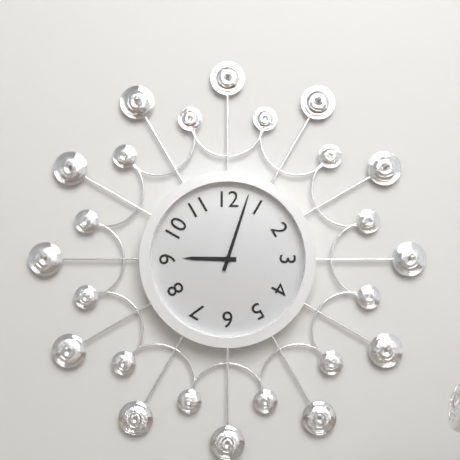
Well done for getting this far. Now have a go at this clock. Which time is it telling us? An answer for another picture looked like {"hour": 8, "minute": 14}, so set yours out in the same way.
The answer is {"hour": 9, "minute": 3}
